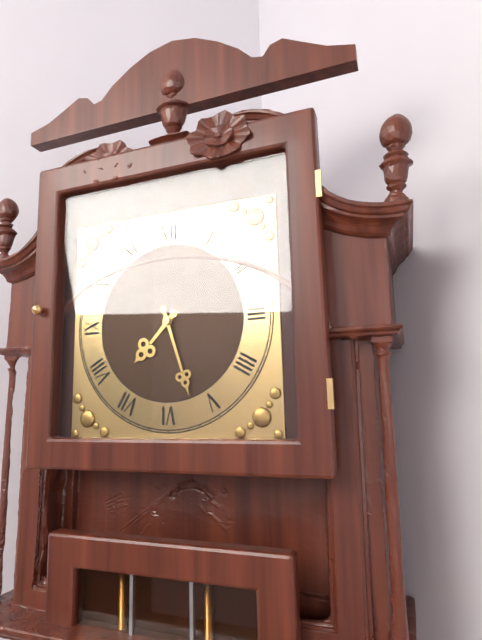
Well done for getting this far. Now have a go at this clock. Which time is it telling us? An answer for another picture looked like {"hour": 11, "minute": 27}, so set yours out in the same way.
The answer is {"hour": 7, "minute": 27}
